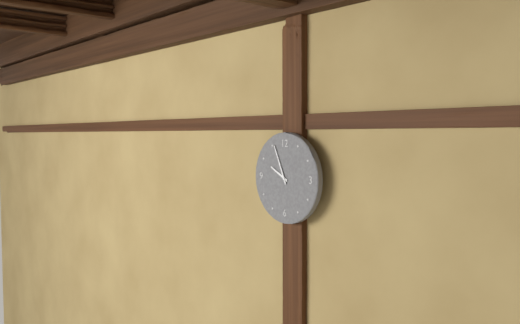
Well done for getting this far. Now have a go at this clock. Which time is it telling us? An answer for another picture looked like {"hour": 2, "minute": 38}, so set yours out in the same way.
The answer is {"hour": 9, "minute": 56}
